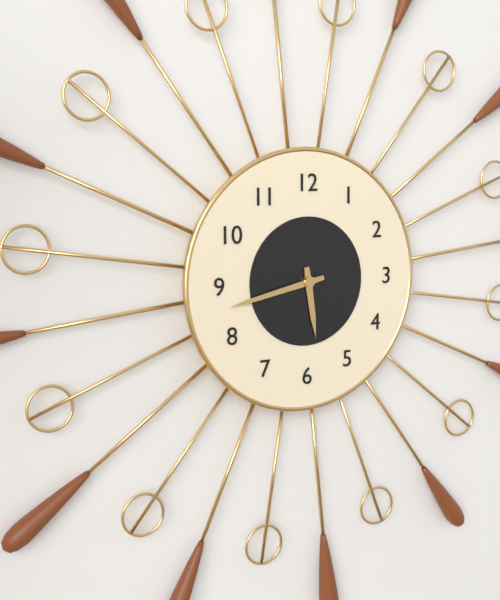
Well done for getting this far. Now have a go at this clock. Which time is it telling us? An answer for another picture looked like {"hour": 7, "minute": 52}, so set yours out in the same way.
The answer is {"hour": 5, "minute": 43}
